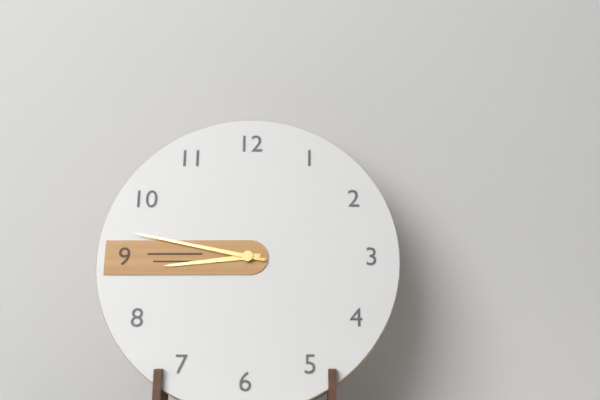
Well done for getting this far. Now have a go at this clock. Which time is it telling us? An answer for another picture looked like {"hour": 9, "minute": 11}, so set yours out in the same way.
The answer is {"hour": 8, "minute": 47}
